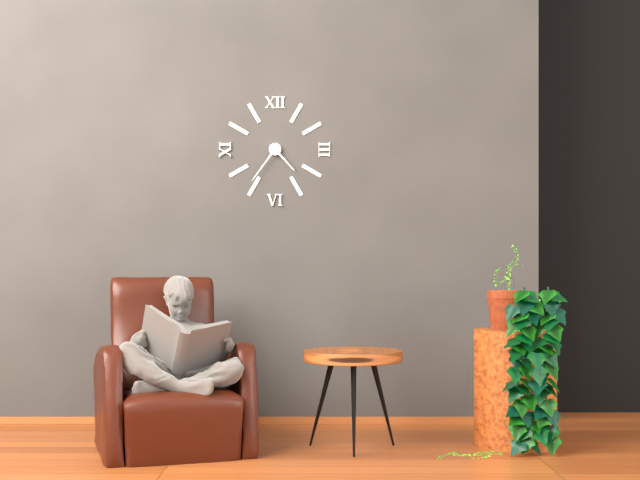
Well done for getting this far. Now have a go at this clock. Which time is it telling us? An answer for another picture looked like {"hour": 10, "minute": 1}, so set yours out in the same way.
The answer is {"hour": 4, "minute": 36}
